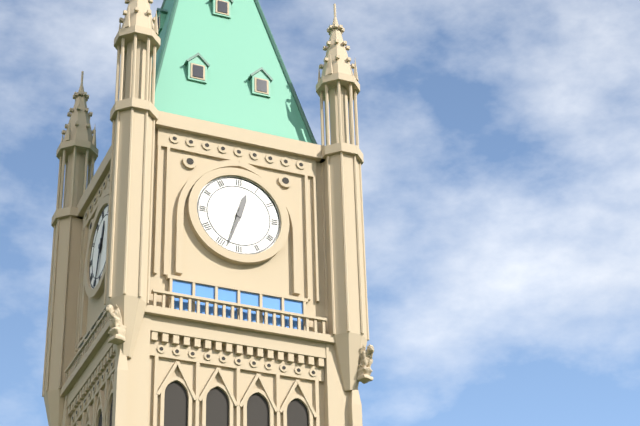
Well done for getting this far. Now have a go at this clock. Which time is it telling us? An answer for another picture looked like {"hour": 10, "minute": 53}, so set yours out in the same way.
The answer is {"hour": 12, "minute": 33}
